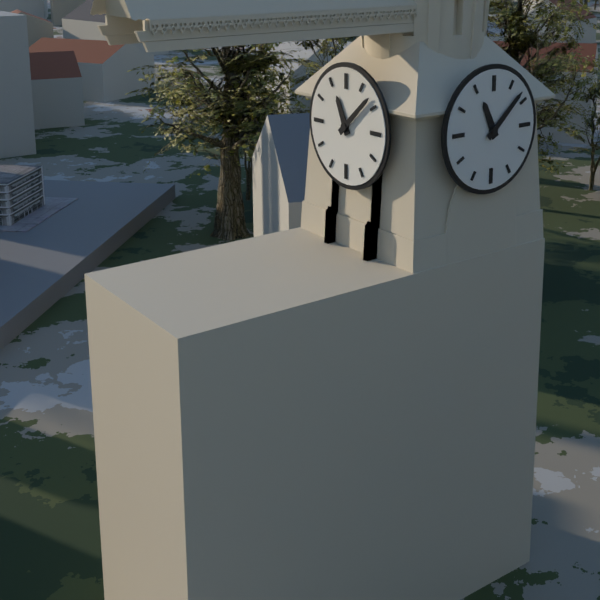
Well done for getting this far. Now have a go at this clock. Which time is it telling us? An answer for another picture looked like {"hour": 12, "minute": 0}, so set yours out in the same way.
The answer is {"hour": 11, "minute": 8}
